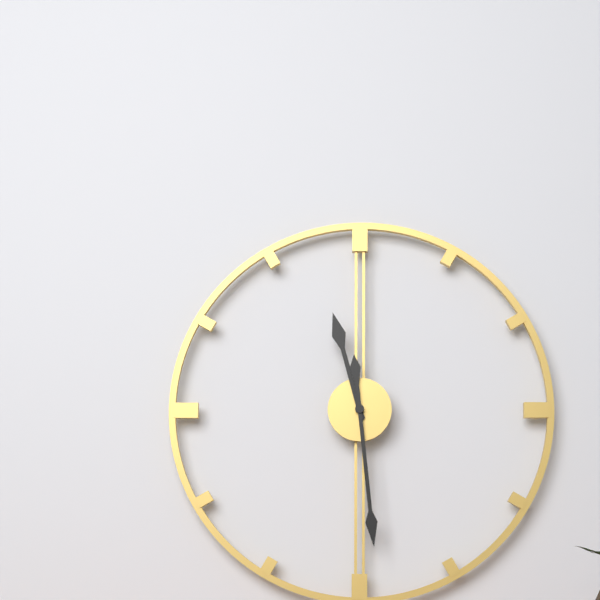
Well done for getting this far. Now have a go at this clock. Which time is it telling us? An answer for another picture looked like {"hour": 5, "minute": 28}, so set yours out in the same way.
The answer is {"hour": 11, "minute": 29}
